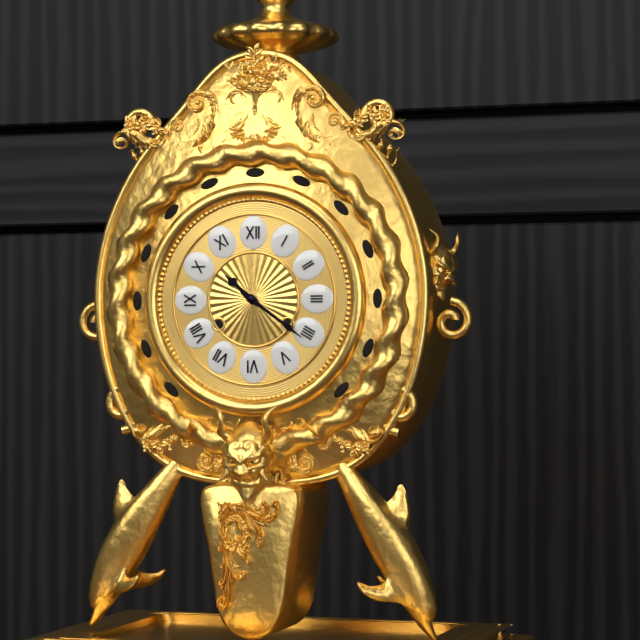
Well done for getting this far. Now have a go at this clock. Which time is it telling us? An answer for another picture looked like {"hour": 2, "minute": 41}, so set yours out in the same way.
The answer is {"hour": 10, "minute": 21}
